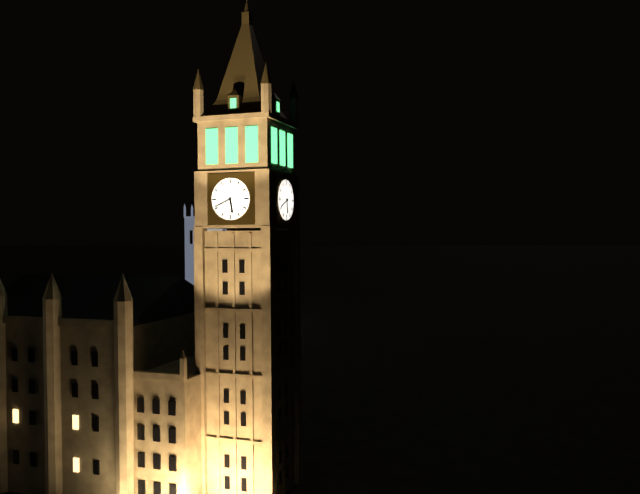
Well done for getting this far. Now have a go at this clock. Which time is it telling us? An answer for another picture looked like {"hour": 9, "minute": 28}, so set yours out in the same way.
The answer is {"hour": 5, "minute": 41}
